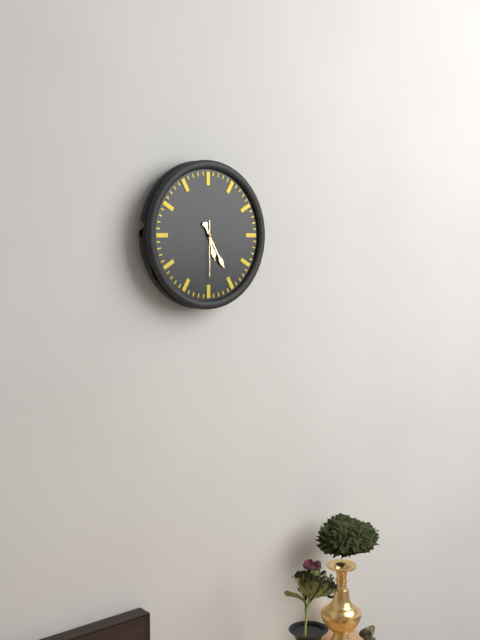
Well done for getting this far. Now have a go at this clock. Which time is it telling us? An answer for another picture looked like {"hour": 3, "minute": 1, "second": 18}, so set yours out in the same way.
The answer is {"hour": 5, "minute": 25, "second": 30}
